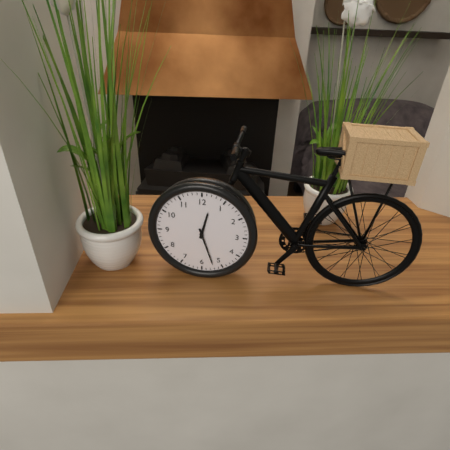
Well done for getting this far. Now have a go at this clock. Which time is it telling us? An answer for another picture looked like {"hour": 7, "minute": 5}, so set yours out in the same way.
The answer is {"hour": 12, "minute": 27}
